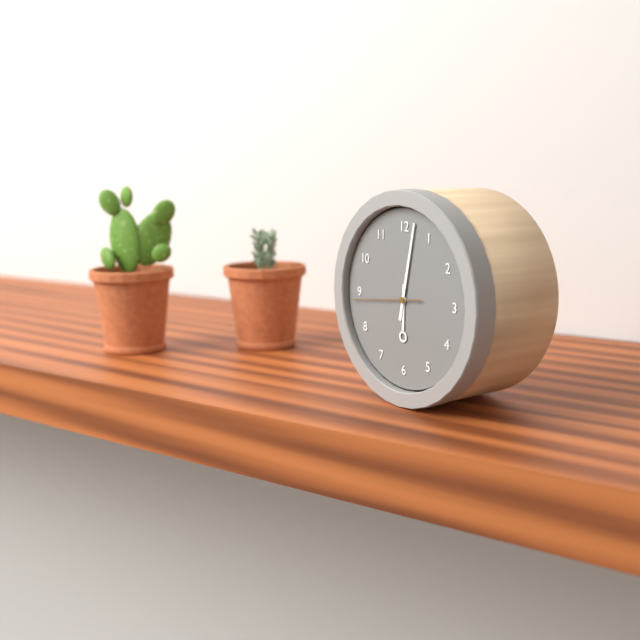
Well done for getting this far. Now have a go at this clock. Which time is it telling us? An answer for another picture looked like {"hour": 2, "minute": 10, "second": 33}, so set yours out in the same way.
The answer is {"hour": 6, "minute": 2, "second": 44}
